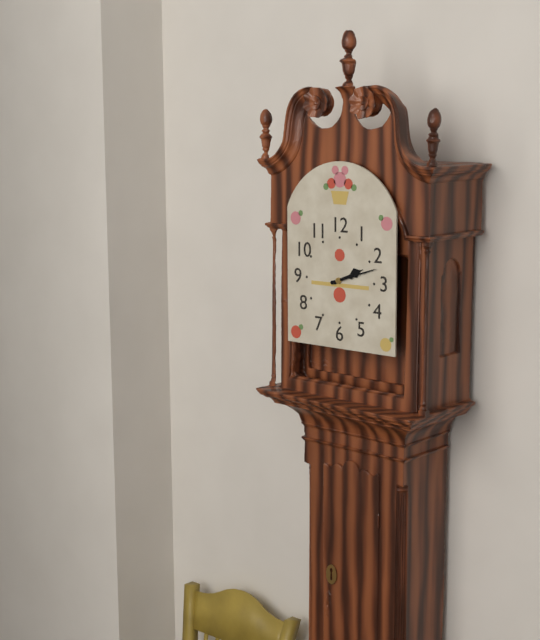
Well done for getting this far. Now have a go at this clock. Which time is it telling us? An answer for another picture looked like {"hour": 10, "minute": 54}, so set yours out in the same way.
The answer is {"hour": 2, "minute": 12}
